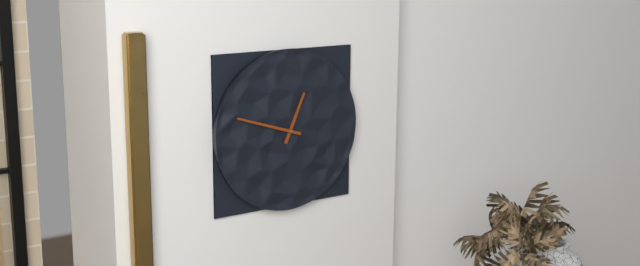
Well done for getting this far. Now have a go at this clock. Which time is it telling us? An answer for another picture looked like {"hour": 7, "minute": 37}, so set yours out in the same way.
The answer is {"hour": 12, "minute": 48}
